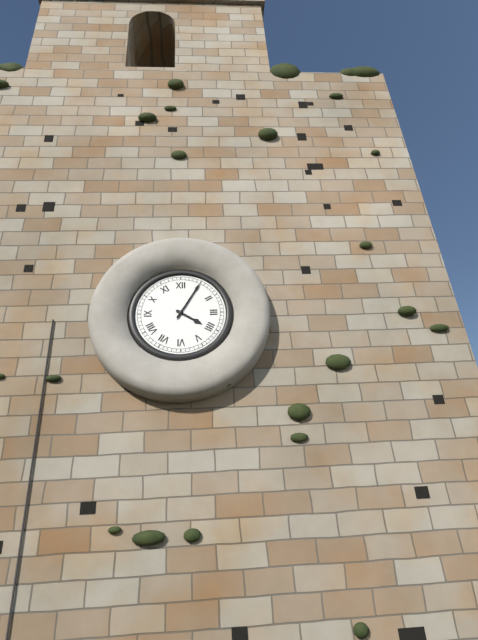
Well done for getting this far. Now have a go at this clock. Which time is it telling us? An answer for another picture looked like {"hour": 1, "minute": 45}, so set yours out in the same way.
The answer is {"hour": 4, "minute": 5}
